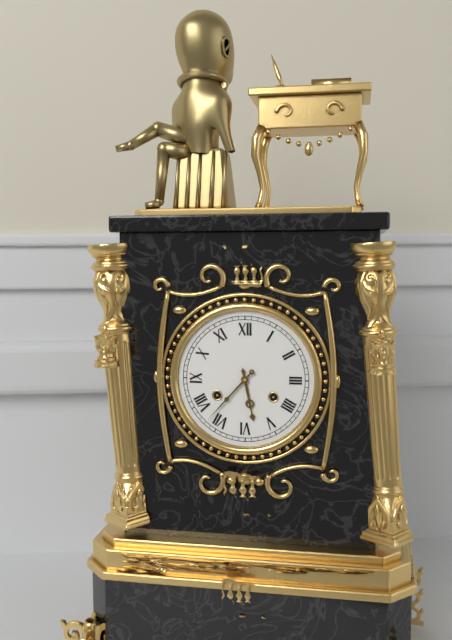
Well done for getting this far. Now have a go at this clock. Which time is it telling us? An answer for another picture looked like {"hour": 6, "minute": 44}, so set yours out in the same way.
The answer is {"hour": 5, "minute": 37}
